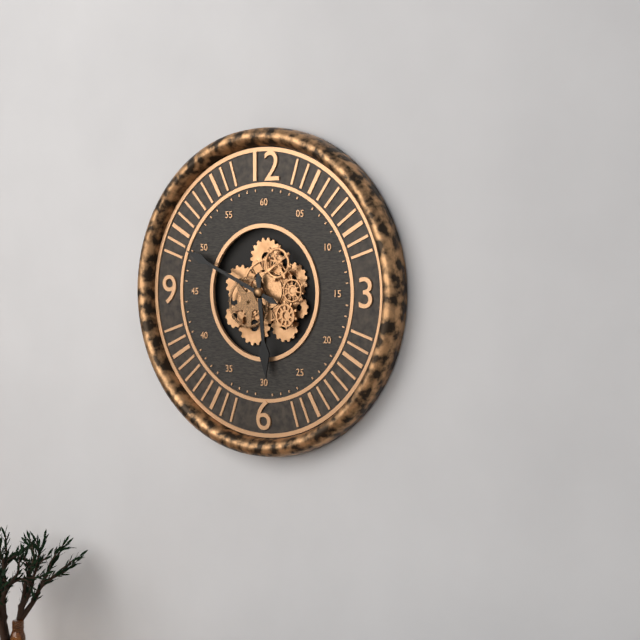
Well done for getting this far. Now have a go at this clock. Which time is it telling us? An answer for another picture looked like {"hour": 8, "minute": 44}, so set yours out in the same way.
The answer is {"hour": 5, "minute": 49}
